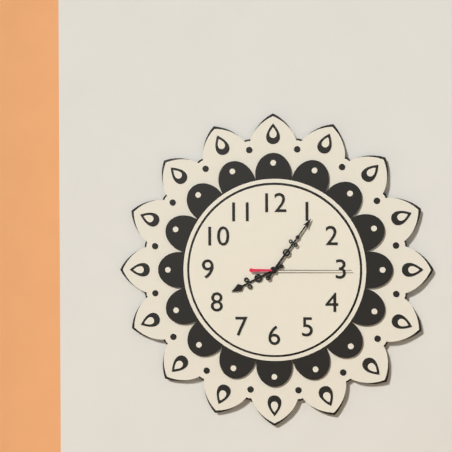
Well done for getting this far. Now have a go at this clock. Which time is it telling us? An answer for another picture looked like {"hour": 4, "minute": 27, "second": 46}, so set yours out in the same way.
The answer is {"hour": 8, "minute": 6, "second": 15}
